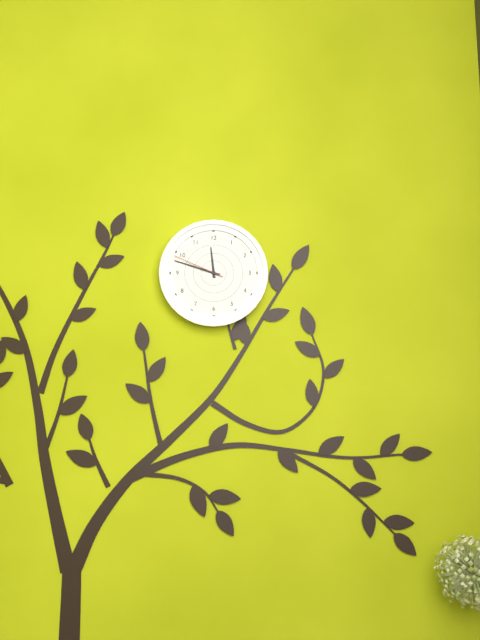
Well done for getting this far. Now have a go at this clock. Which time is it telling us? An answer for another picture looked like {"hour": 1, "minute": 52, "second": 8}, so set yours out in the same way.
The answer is {"hour": 11, "minute": 48, "second": 49}
